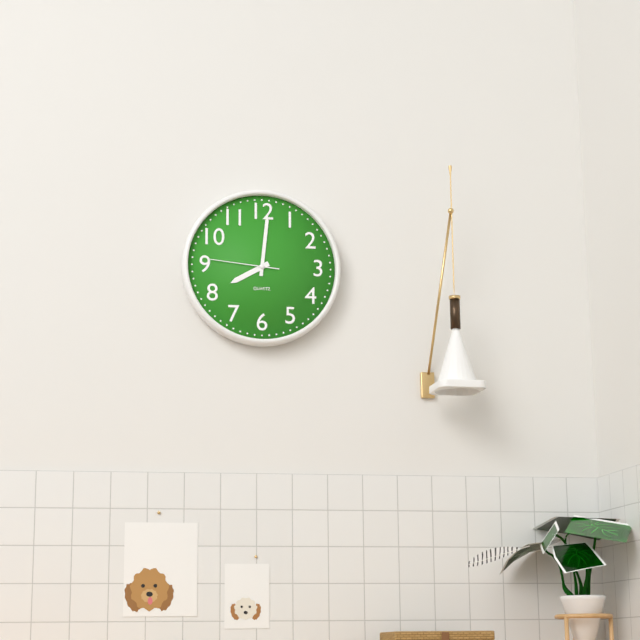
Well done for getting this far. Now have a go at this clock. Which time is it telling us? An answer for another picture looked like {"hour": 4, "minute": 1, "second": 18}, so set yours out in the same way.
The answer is {"hour": 8, "minute": 1, "second": 46}
